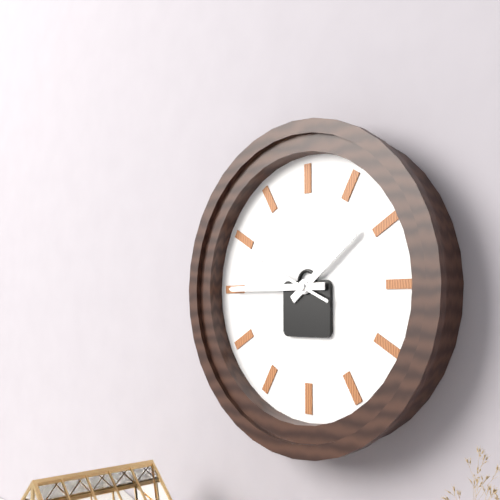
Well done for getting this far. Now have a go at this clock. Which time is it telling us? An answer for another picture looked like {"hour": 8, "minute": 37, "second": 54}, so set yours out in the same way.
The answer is {"hour": 1, "minute": 45, "second": 49}
